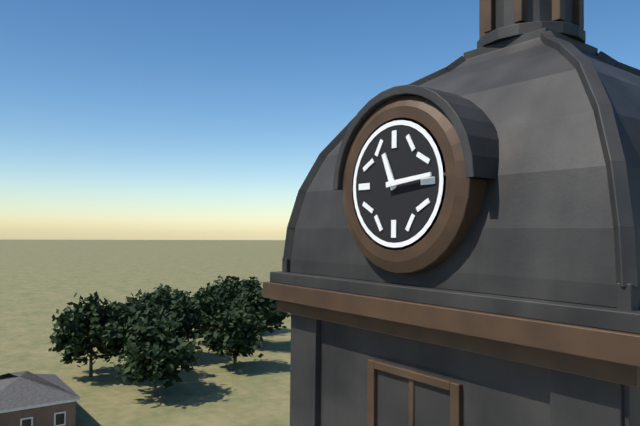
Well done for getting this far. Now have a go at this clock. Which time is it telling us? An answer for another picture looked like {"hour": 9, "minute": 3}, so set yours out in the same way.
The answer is {"hour": 11, "minute": 14}
